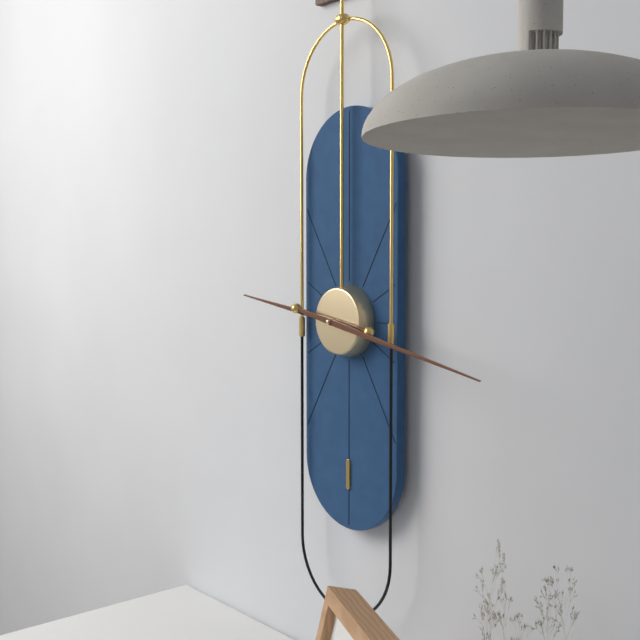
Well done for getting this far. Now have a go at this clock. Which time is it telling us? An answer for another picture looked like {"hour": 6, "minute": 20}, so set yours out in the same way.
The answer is {"hour": 9, "minute": 17}
